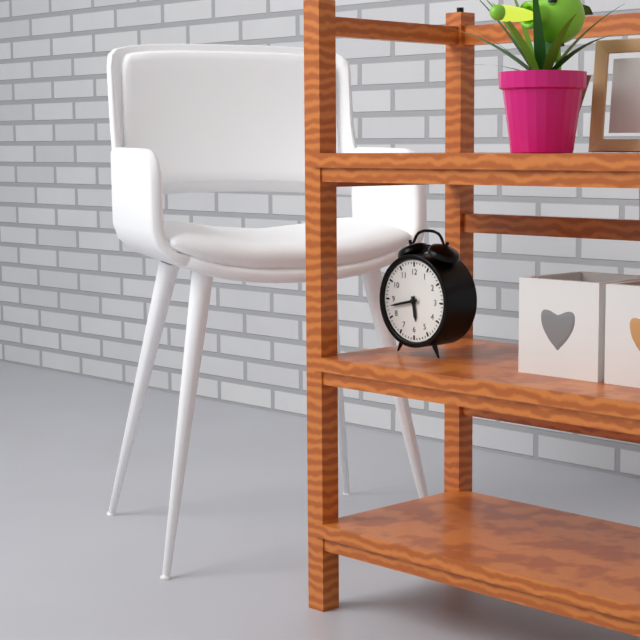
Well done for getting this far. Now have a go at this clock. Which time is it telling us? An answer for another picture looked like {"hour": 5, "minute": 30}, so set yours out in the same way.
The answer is {"hour": 5, "minute": 43}
